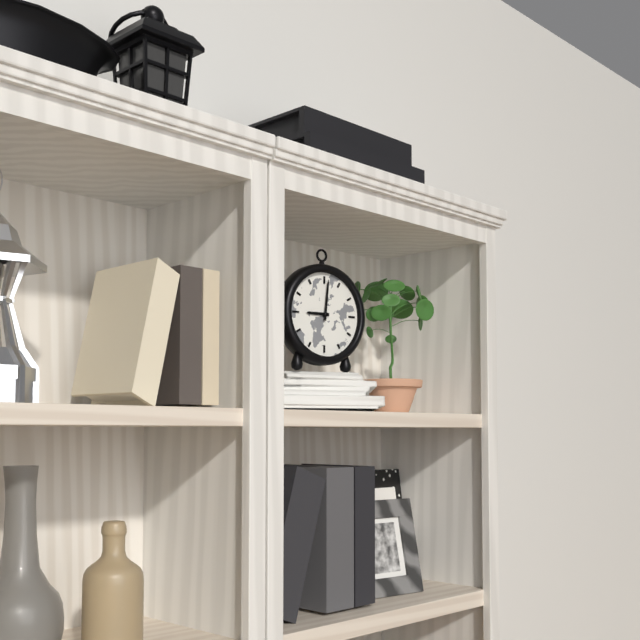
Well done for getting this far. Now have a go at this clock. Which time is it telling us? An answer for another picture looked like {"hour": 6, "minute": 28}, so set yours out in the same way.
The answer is {"hour": 9, "minute": 1}
